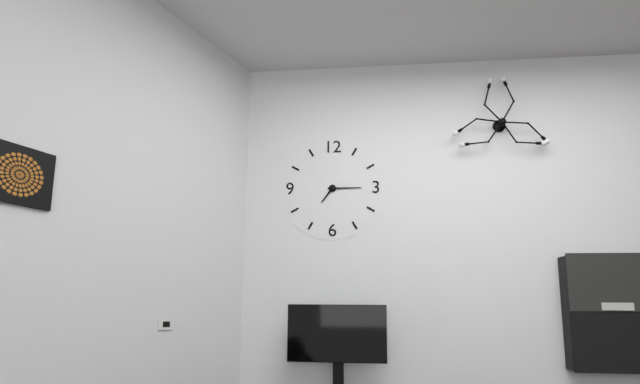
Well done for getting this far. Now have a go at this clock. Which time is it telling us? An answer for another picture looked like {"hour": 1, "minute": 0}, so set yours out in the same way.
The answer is {"hour": 7, "minute": 15}
